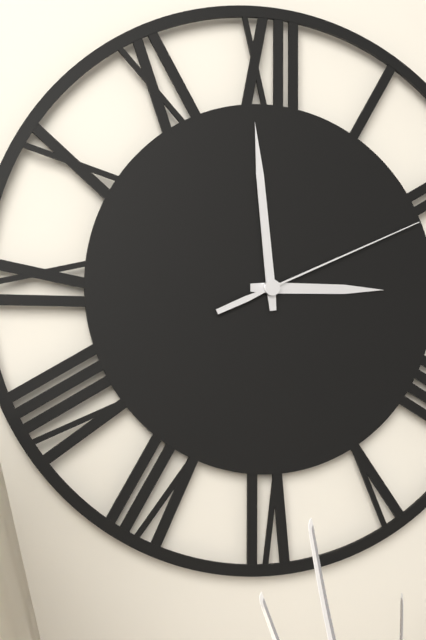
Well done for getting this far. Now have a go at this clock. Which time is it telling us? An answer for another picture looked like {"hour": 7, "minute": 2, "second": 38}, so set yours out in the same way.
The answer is {"hour": 2, "minute": 59, "second": 11}
